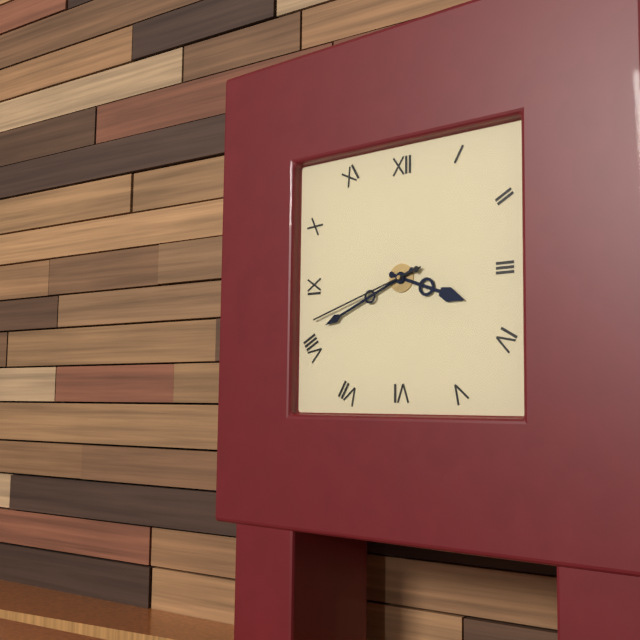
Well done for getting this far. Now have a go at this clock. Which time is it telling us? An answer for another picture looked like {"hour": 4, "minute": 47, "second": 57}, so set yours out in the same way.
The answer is {"hour": 3, "minute": 41, "second": 42}
